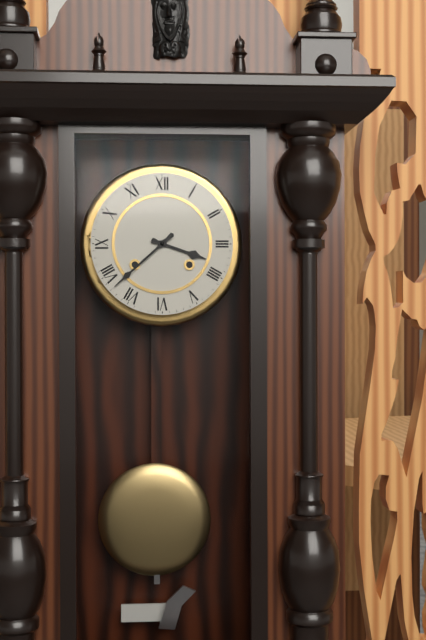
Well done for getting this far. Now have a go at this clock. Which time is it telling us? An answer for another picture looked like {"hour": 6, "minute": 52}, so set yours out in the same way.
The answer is {"hour": 3, "minute": 38}
